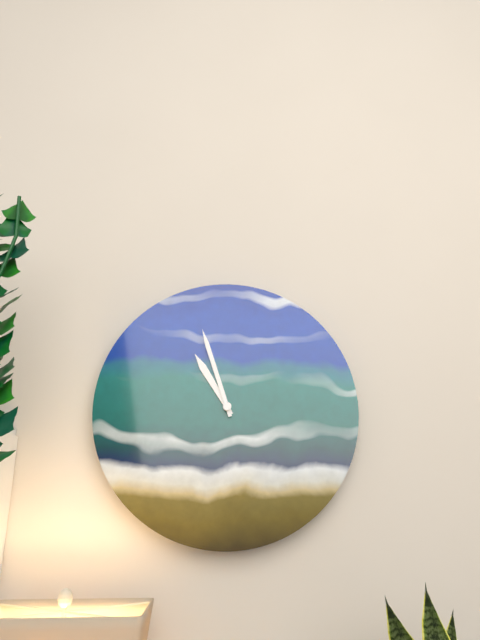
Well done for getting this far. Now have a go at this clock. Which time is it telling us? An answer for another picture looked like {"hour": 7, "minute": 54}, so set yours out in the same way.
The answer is {"hour": 10, "minute": 57}
